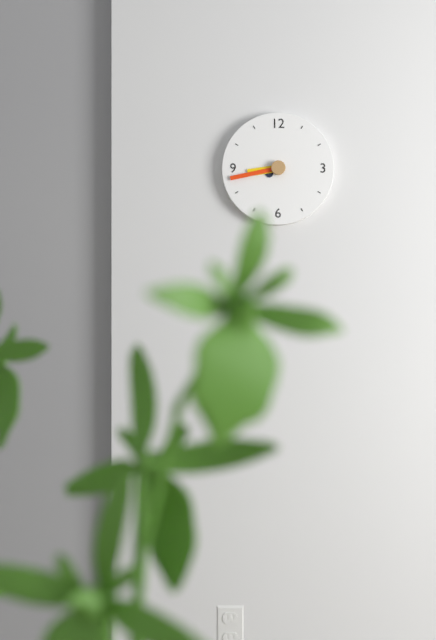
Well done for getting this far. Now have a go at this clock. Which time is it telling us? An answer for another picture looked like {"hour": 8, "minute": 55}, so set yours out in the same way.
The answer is {"hour": 8, "minute": 43}
